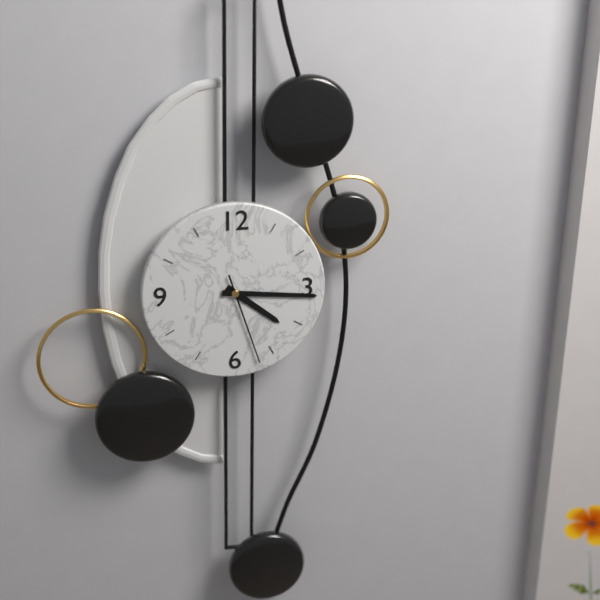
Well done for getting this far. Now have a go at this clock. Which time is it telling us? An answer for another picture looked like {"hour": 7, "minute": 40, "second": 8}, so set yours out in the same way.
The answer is {"hour": 4, "minute": 16, "second": 27}
